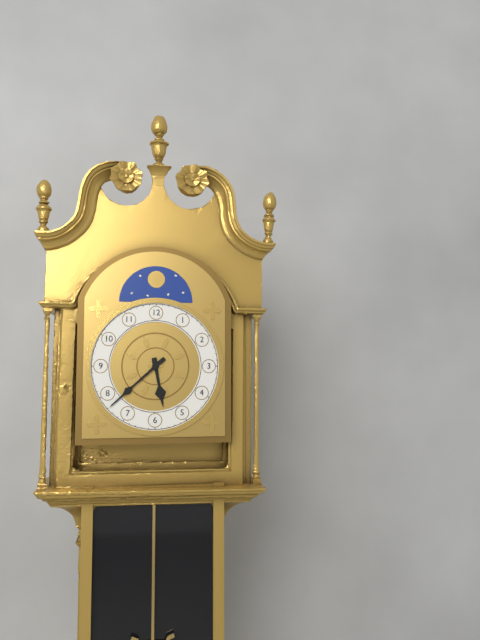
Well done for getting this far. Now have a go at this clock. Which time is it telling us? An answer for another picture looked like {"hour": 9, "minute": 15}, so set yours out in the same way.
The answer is {"hour": 5, "minute": 38}
